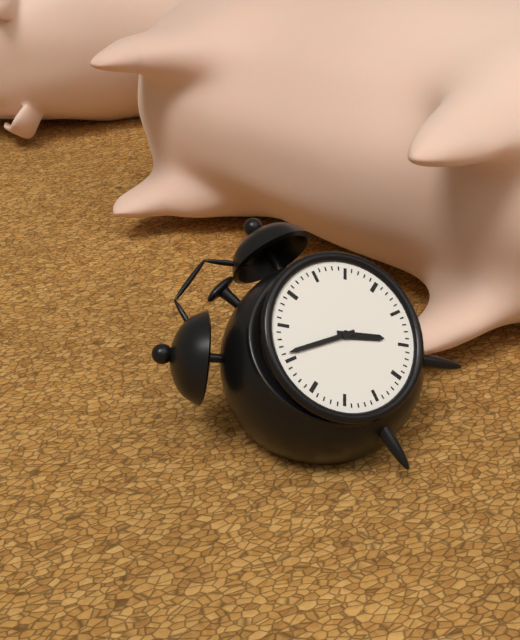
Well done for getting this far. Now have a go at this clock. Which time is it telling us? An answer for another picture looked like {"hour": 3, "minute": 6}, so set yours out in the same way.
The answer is {"hour": 4, "minute": 51}
